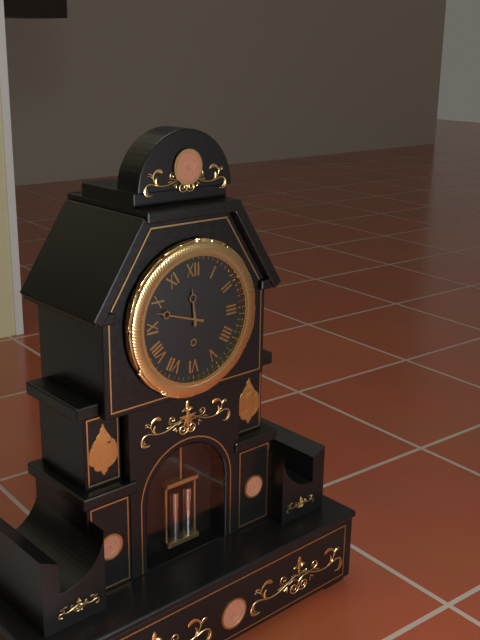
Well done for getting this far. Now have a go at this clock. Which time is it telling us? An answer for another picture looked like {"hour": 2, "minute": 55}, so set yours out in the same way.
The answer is {"hour": 11, "minute": 48}
